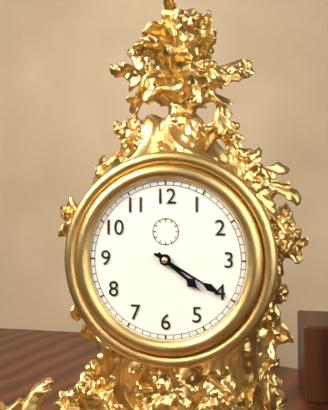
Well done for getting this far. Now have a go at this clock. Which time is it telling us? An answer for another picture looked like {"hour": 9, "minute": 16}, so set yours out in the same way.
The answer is {"hour": 4, "minute": 20}
